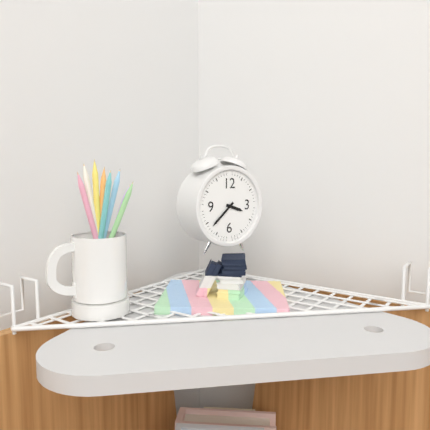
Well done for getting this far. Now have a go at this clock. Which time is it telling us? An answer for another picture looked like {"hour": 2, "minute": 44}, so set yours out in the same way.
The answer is {"hour": 3, "minute": 38}
